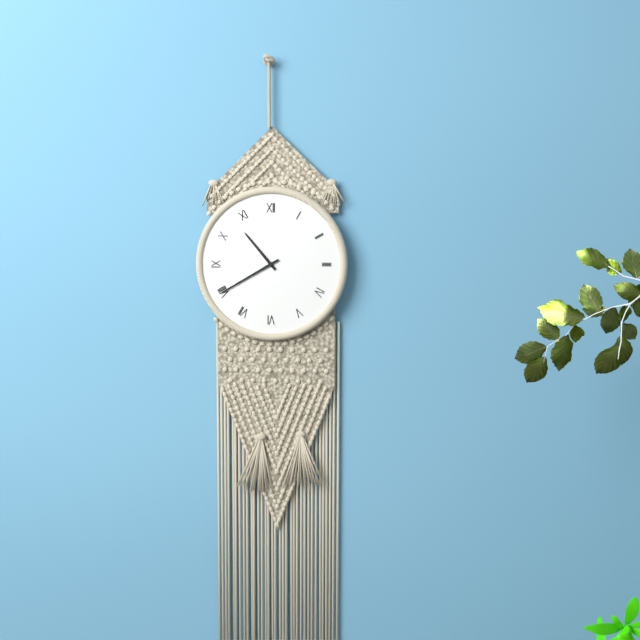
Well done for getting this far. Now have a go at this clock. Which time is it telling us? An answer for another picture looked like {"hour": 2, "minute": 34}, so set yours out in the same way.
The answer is {"hour": 10, "minute": 40}
